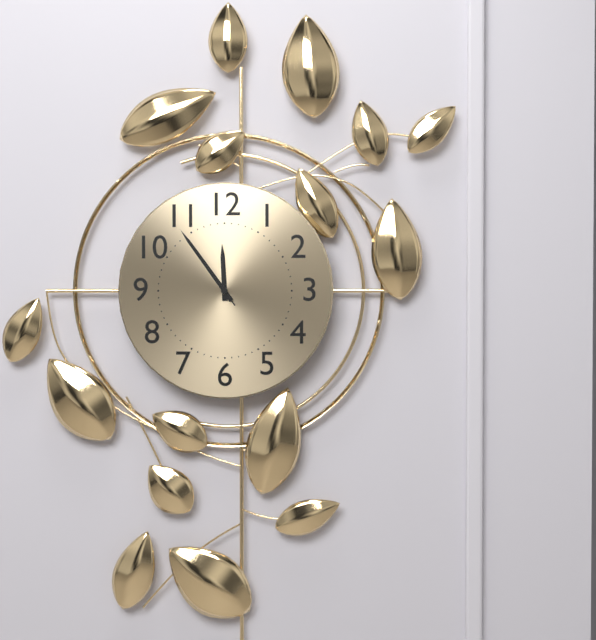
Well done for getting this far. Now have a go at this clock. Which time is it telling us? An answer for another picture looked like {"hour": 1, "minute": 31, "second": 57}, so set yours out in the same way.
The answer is {"hour": 11, "minute": 54, "second": 54}
